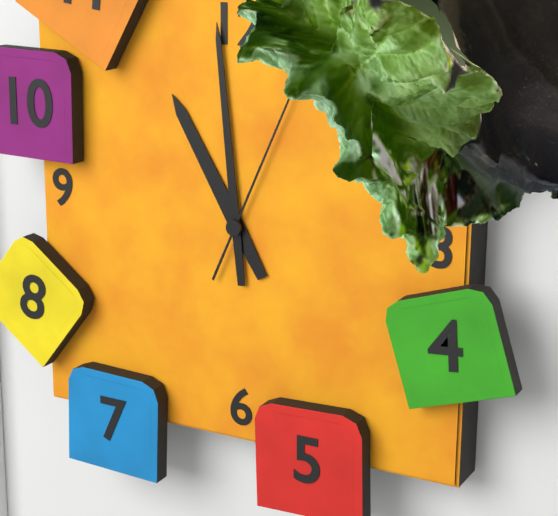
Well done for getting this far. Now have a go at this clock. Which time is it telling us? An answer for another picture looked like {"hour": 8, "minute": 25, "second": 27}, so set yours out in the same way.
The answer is {"hour": 10, "minute": 59, "second": 4}
